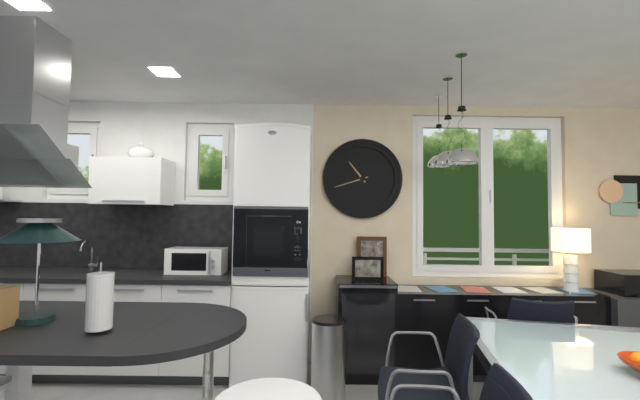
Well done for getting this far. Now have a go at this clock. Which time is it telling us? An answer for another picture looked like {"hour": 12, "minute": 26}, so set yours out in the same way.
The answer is {"hour": 10, "minute": 42}
